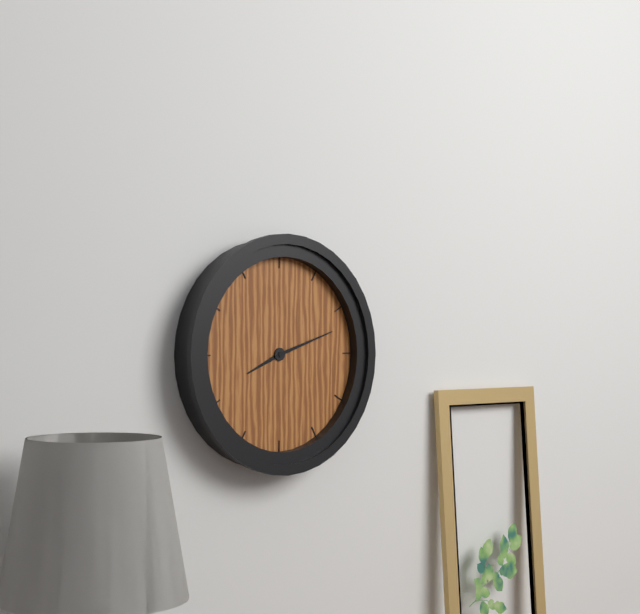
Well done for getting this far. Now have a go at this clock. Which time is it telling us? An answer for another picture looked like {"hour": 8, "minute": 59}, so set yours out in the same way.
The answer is {"hour": 8, "minute": 12}
